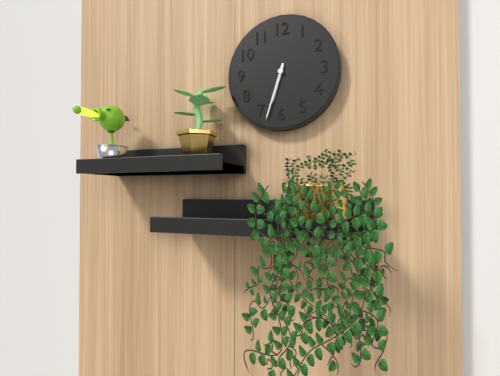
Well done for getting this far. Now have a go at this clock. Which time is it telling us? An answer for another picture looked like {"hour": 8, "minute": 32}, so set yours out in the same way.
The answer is {"hour": 6, "minute": 33}
